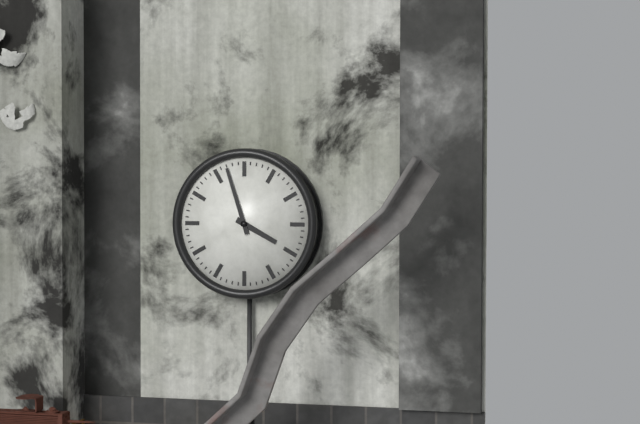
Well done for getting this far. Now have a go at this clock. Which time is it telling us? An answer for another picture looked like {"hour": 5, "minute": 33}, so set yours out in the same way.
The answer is {"hour": 3, "minute": 57}
